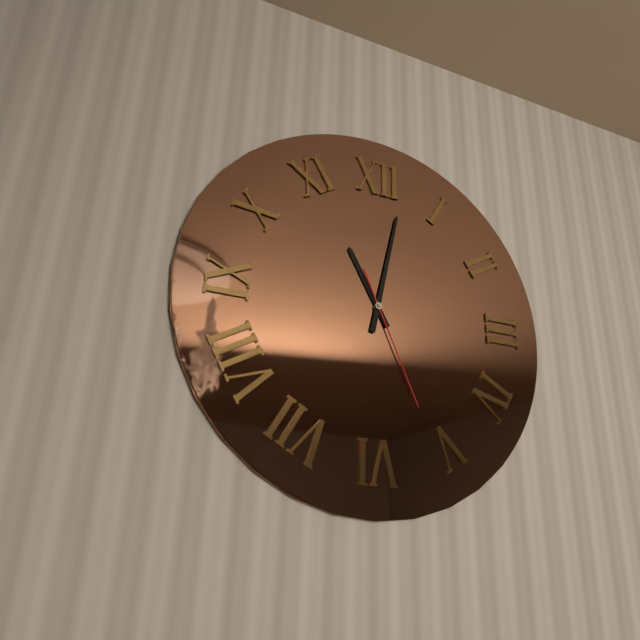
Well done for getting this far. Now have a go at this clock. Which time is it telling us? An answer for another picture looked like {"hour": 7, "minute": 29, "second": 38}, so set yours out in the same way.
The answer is {"hour": 11, "minute": 2, "second": 26}
